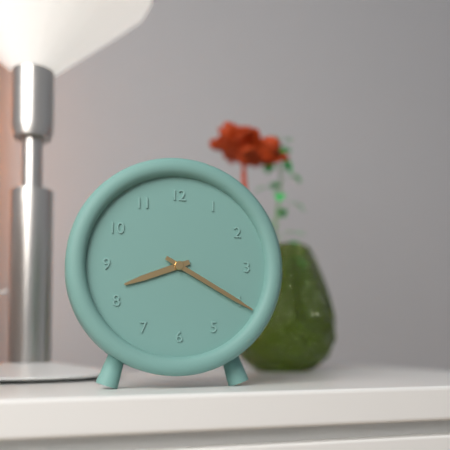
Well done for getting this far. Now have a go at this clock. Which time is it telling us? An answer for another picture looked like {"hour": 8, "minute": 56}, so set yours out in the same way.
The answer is {"hour": 8, "minute": 20}
